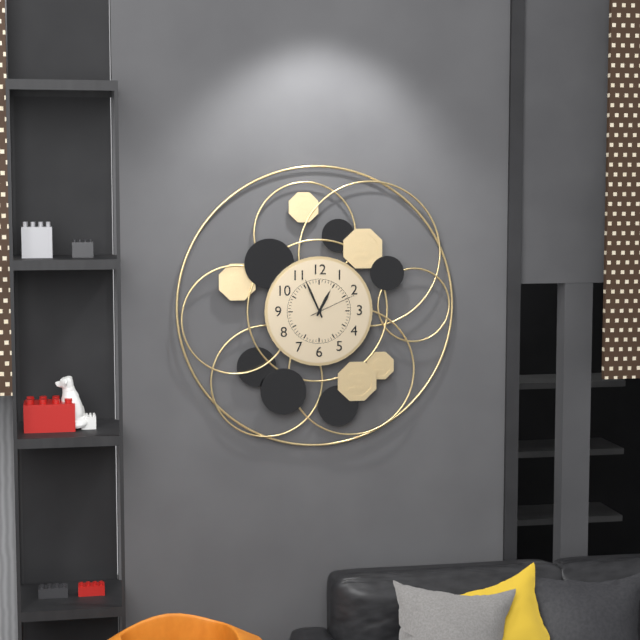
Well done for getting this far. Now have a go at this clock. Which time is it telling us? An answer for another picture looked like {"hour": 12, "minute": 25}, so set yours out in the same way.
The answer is {"hour": 12, "minute": 56}
